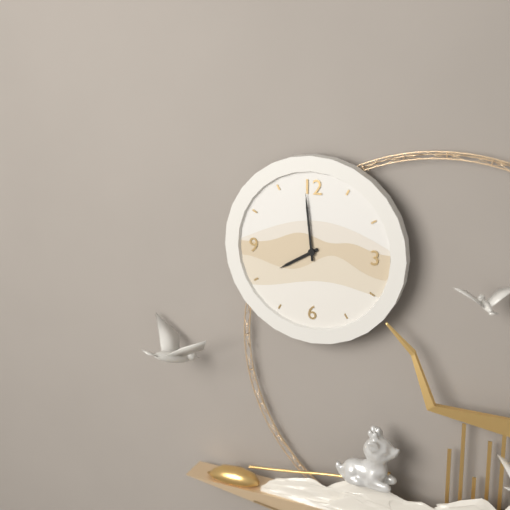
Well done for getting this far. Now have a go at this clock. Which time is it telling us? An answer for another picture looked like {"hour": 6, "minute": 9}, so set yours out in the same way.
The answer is {"hour": 7, "minute": 59}
